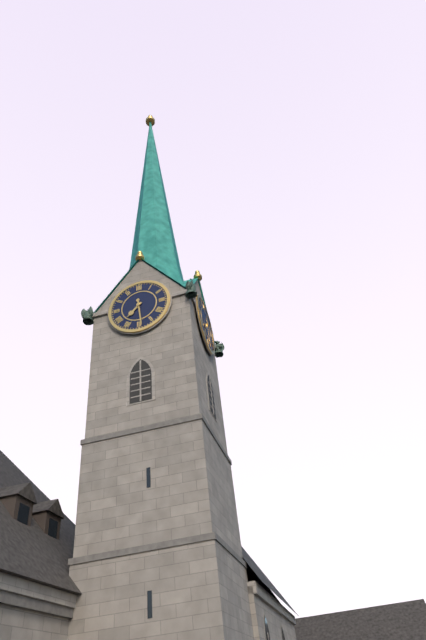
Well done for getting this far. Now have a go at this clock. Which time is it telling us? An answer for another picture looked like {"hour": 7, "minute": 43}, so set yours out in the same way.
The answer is {"hour": 7, "minute": 29}
